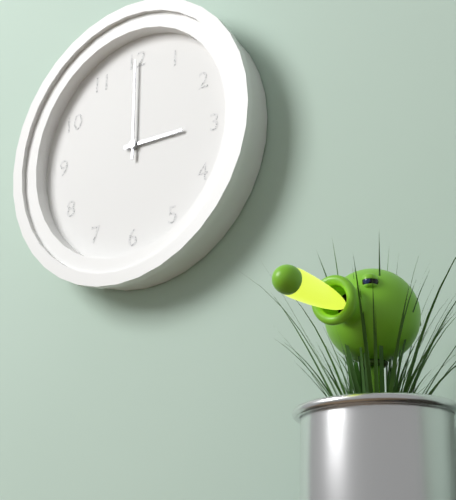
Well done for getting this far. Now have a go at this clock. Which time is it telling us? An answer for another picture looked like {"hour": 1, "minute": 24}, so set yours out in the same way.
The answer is {"hour": 3, "minute": 0}
